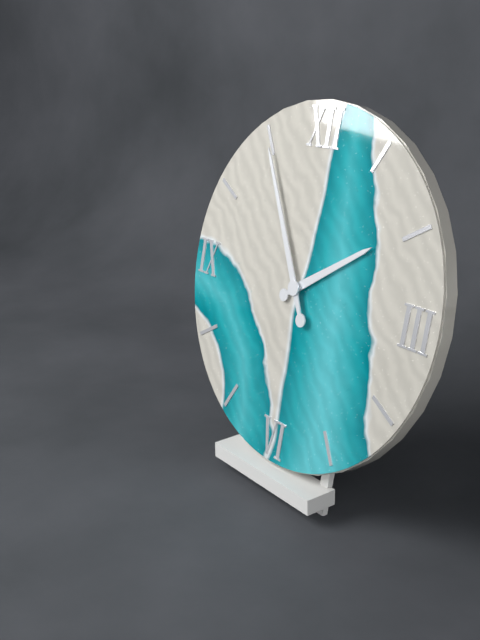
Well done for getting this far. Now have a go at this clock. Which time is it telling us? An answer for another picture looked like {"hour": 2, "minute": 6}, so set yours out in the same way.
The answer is {"hour": 1, "minute": 55}
